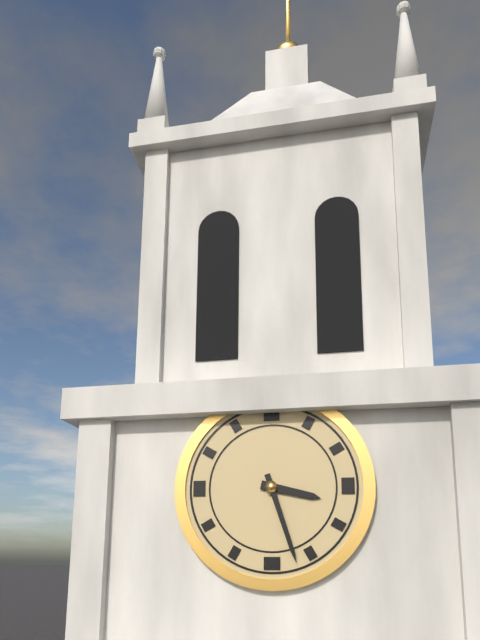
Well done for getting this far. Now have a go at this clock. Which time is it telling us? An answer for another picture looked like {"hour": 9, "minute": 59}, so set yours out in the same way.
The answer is {"hour": 3, "minute": 27}
